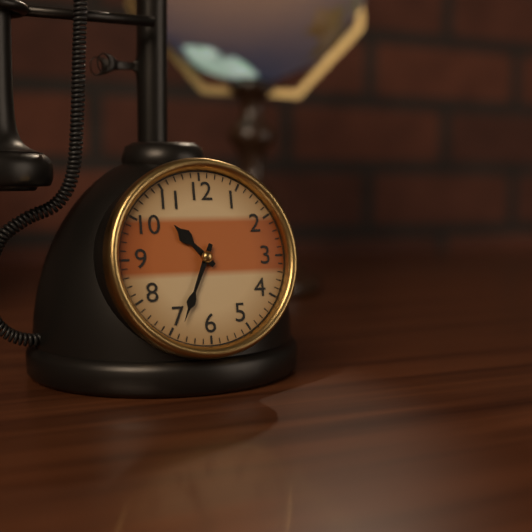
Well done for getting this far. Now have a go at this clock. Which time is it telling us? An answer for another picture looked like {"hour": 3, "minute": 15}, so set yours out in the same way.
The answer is {"hour": 10, "minute": 34}
